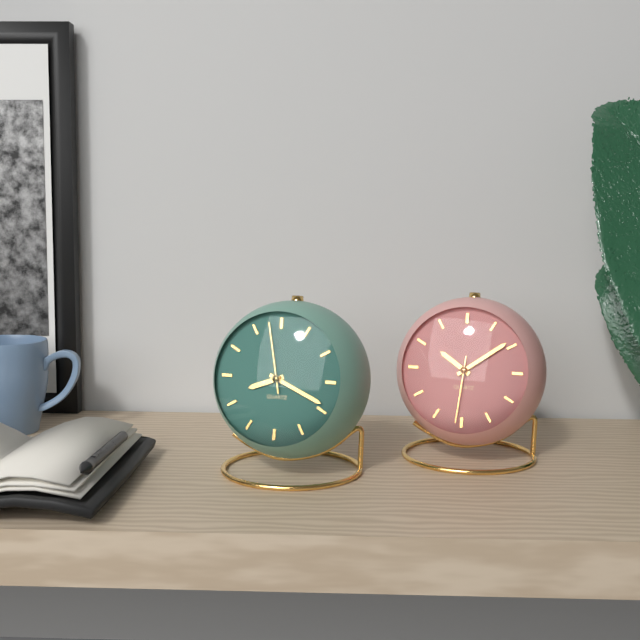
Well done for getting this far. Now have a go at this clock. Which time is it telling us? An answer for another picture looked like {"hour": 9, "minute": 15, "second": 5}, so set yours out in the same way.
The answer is {"hour": 8, "minute": 19, "second": 58}
